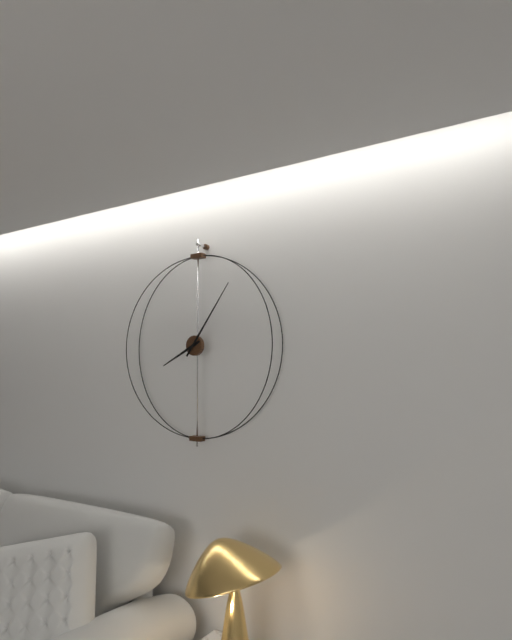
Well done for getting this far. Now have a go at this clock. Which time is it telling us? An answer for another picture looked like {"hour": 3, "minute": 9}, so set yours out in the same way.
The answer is {"hour": 8, "minute": 6}
